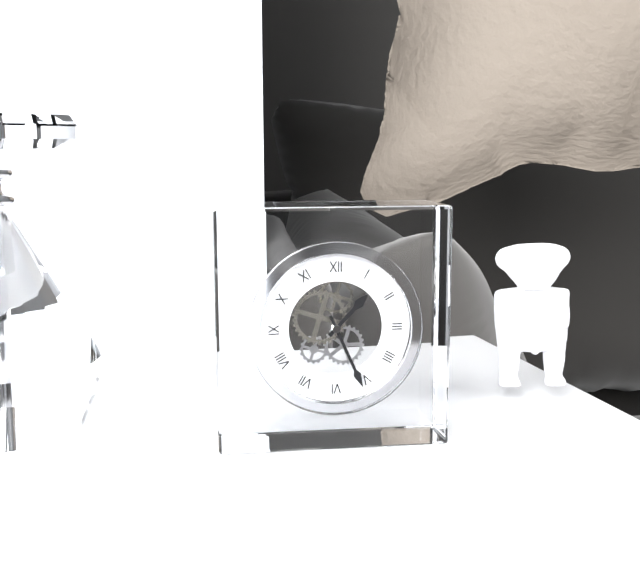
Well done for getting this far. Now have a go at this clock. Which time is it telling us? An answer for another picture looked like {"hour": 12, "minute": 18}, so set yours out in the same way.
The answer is {"hour": 1, "minute": 26}
